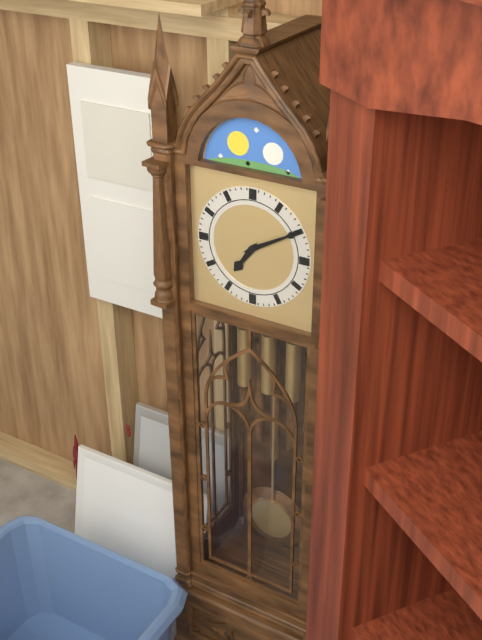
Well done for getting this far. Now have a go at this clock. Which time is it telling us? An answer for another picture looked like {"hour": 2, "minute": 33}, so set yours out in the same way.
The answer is {"hour": 7, "minute": 10}
